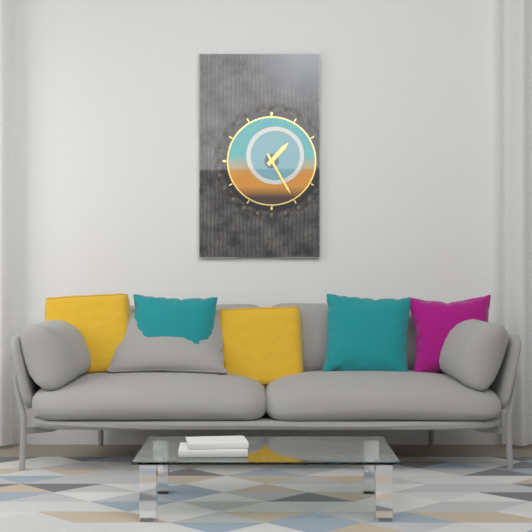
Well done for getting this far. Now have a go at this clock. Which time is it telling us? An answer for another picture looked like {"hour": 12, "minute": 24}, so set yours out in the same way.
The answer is {"hour": 1, "minute": 25}
